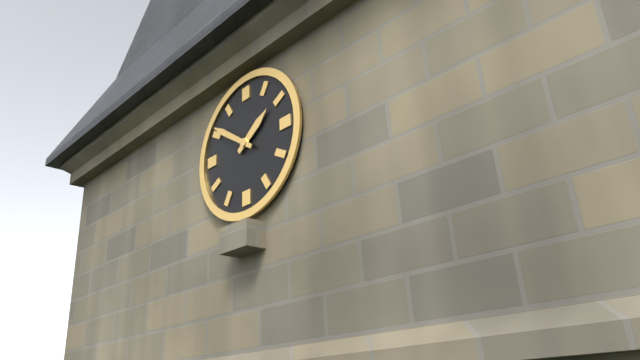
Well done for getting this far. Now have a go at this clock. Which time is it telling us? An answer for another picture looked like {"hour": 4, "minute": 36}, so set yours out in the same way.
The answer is {"hour": 1, "minute": 51}
